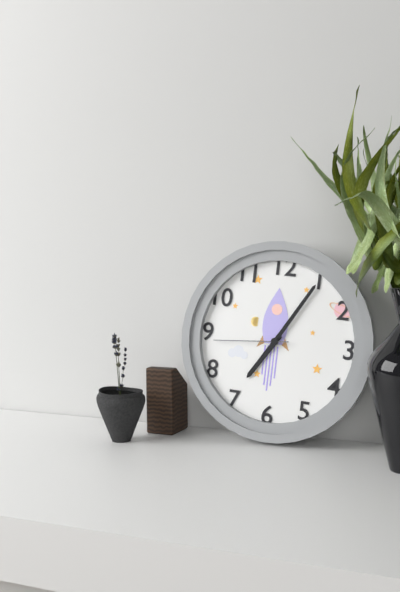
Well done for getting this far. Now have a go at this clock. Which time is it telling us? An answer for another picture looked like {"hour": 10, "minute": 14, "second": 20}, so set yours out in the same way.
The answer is {"hour": 7, "minute": 5, "second": 44}
